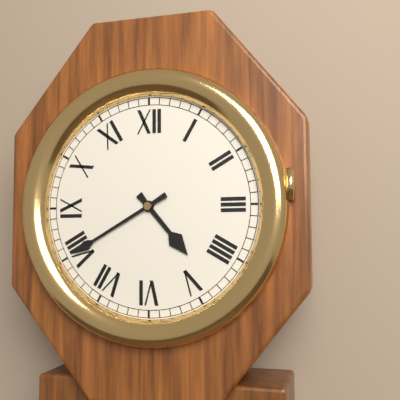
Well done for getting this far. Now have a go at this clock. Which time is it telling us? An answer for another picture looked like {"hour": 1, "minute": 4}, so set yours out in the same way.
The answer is {"hour": 4, "minute": 40}
